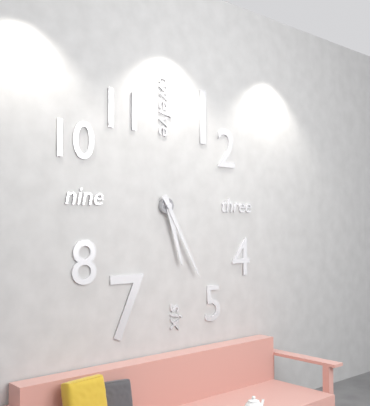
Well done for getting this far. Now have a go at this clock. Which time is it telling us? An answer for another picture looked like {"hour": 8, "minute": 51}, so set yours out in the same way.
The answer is {"hour": 5, "minute": 25}
